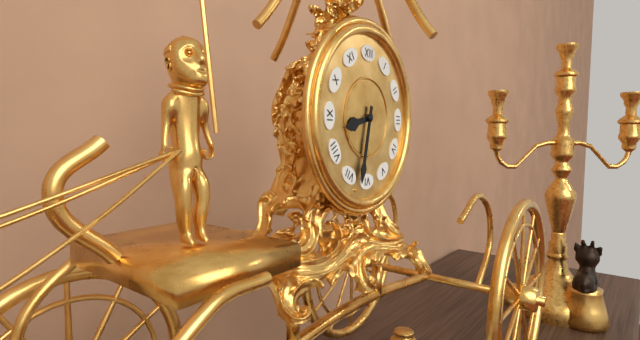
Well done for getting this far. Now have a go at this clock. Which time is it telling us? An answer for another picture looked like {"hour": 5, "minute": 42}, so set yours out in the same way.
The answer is {"hour": 8, "minute": 32}
